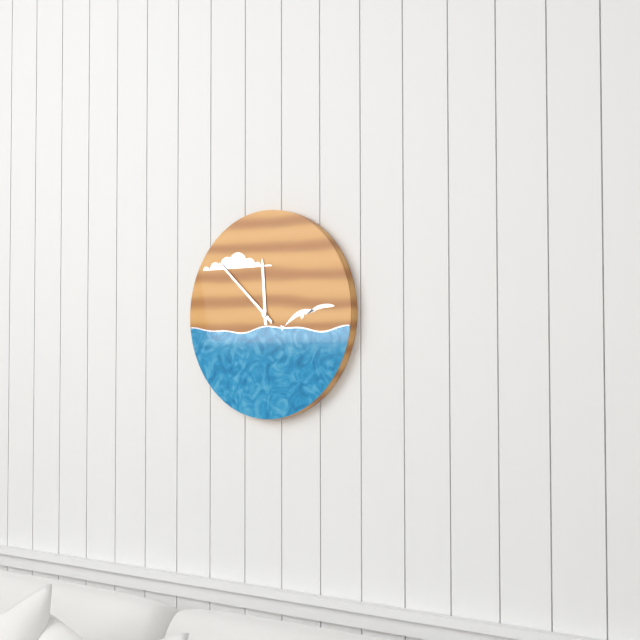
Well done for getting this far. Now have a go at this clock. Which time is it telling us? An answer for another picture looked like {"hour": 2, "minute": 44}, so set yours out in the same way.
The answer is {"hour": 11, "minute": 52}
